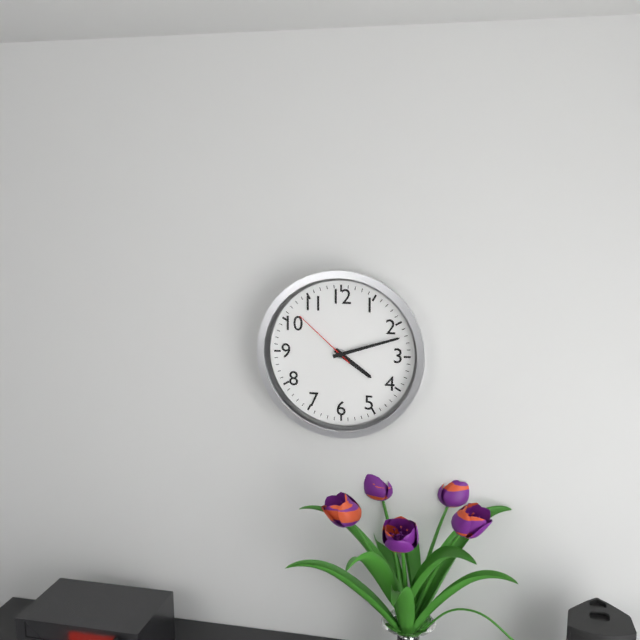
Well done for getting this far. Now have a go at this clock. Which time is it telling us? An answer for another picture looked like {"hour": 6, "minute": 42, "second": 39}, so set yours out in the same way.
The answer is {"hour": 4, "minute": 12, "second": 52}
